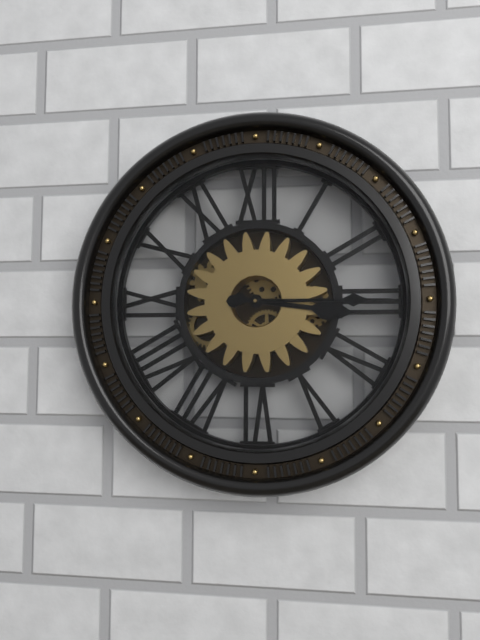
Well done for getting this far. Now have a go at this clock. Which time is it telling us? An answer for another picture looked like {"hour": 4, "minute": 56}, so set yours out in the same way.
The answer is {"hour": 3, "minute": 15}
